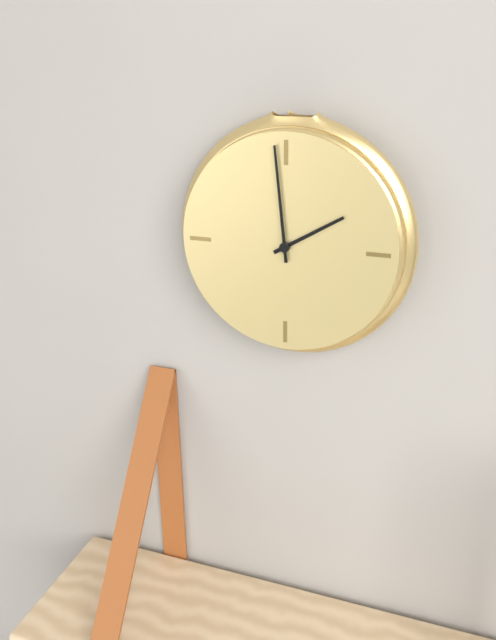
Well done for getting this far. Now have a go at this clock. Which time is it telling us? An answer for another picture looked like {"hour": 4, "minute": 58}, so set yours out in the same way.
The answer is {"hour": 1, "minute": 59}
